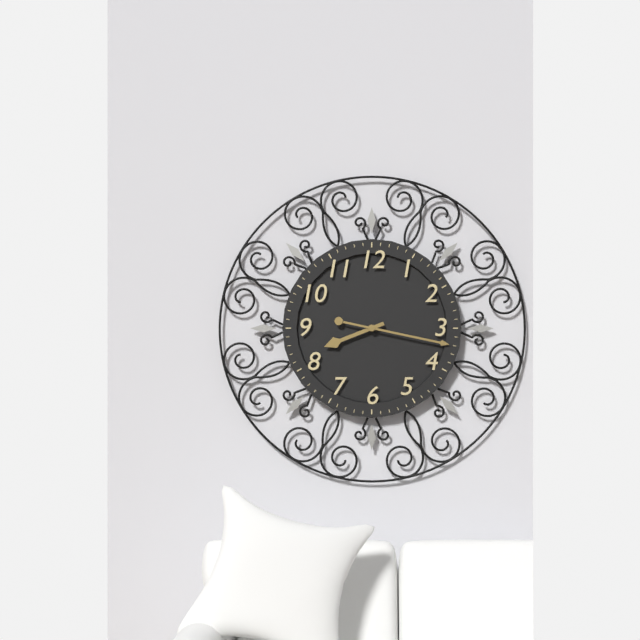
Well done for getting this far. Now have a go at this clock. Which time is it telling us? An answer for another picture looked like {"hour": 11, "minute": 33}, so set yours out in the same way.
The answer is {"hour": 8, "minute": 17}
